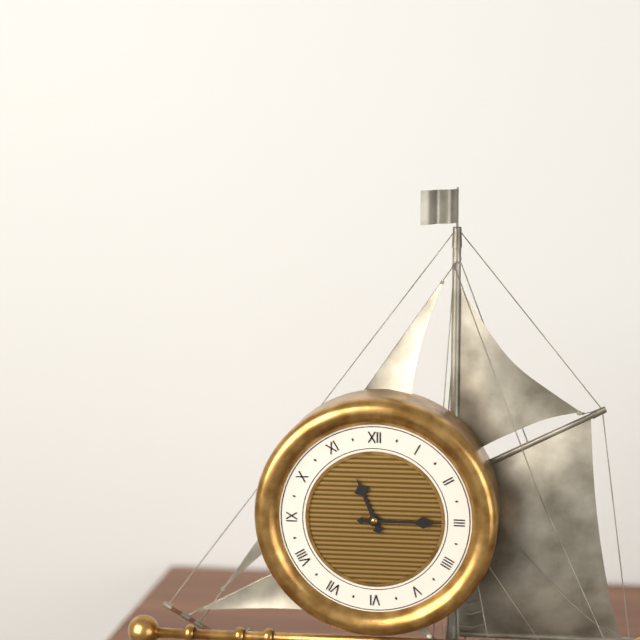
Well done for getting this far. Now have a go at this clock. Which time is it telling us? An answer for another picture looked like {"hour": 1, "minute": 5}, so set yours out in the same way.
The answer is {"hour": 11, "minute": 15}
